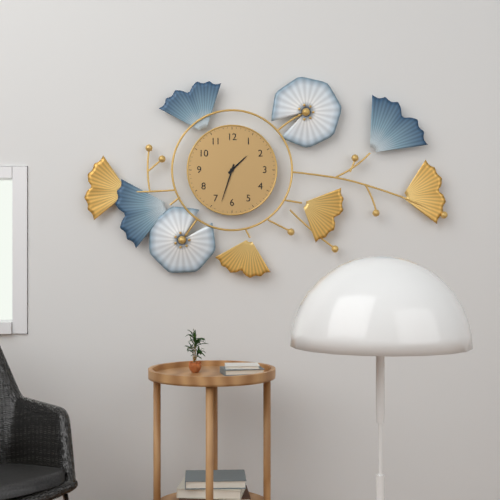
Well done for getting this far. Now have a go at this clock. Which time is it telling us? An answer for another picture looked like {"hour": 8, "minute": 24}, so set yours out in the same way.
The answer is {"hour": 1, "minute": 33}
